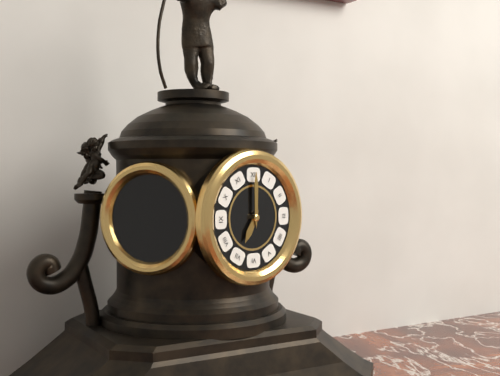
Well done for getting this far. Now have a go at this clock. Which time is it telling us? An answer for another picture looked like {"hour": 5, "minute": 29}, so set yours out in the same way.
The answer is {"hour": 7, "minute": 0}
